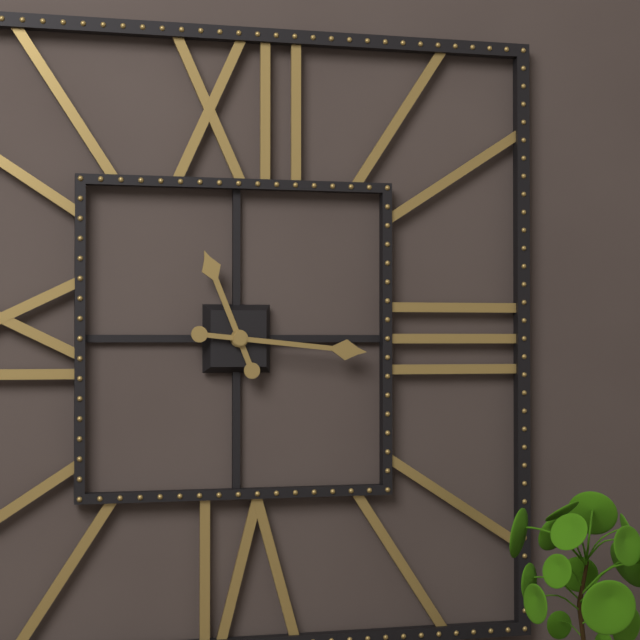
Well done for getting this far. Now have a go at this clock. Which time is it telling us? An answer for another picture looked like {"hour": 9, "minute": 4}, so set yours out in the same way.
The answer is {"hour": 11, "minute": 16}
